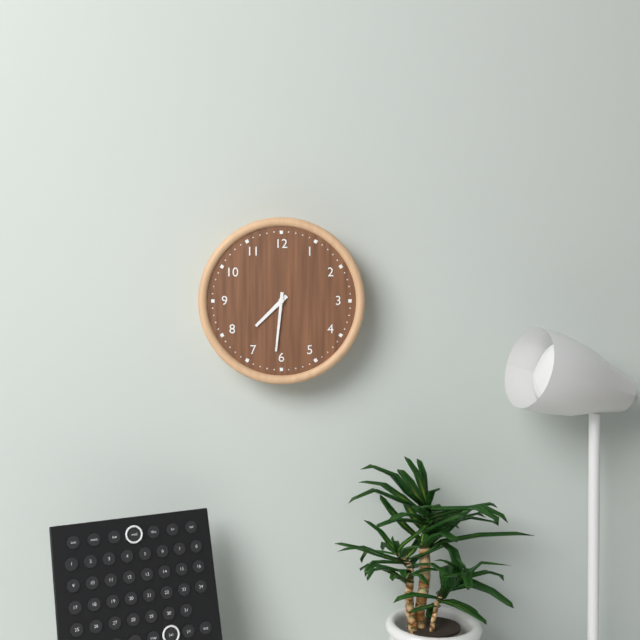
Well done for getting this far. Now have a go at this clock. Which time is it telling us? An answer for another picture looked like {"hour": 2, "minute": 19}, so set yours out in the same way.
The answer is {"hour": 7, "minute": 31}
